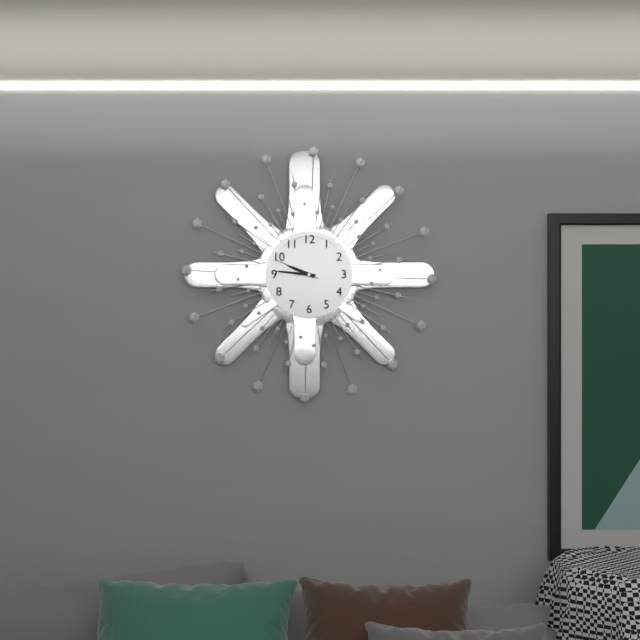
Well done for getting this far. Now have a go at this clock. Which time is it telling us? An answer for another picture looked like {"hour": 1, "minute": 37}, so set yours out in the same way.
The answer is {"hour": 9, "minute": 46}
